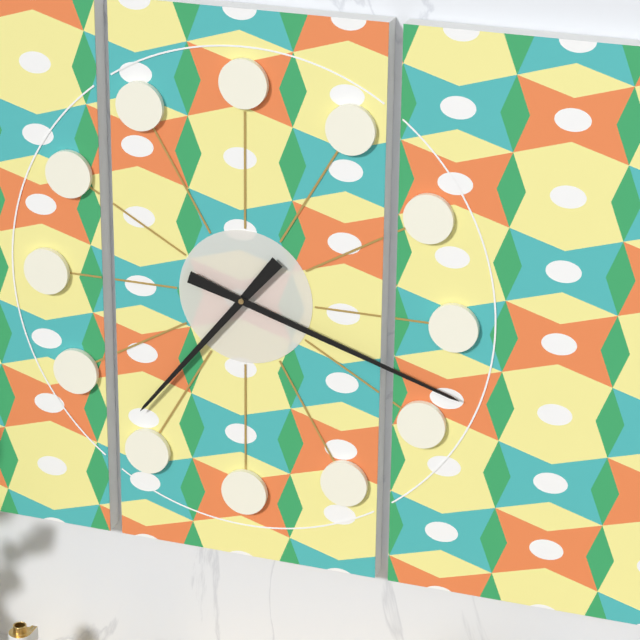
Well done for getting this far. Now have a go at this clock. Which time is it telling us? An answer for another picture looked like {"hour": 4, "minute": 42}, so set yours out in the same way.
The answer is {"hour": 7, "minute": 18}
